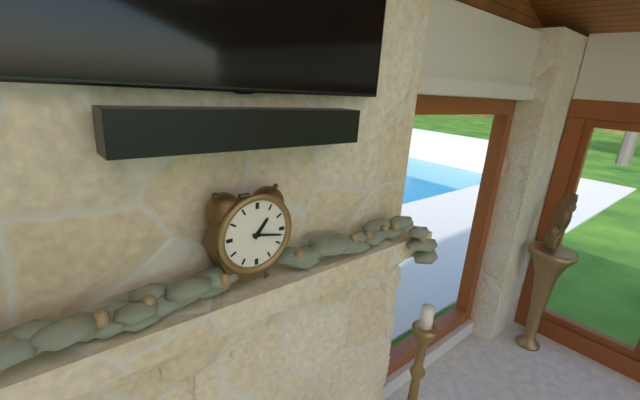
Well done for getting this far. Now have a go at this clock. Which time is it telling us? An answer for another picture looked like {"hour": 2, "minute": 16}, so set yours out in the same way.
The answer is {"hour": 1, "minute": 17}
